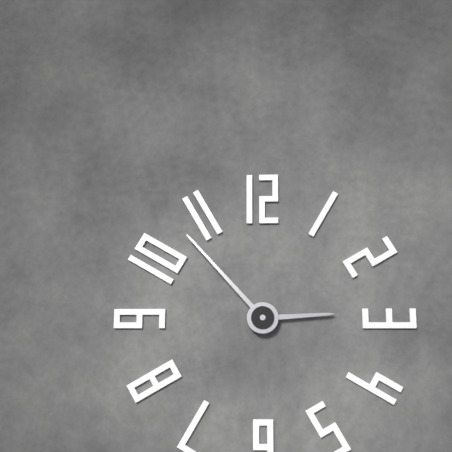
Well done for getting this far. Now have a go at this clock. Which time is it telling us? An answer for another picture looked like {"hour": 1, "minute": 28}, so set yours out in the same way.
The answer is {"hour": 2, "minute": 53}
